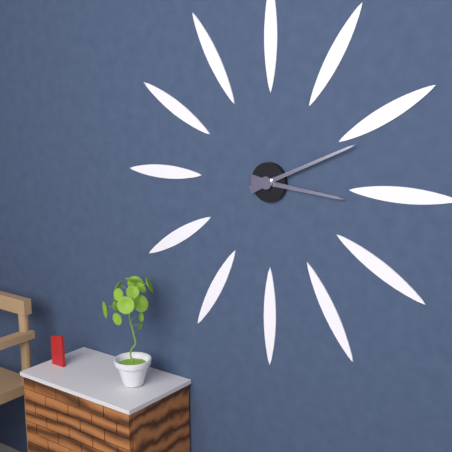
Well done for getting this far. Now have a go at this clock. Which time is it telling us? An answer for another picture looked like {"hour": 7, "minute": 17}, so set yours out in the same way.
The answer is {"hour": 3, "minute": 11}
